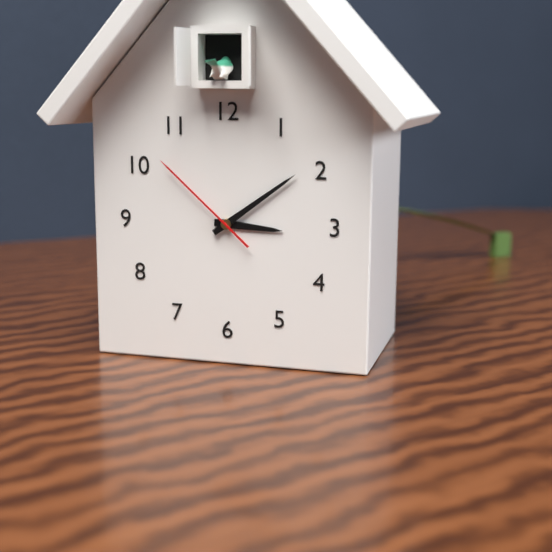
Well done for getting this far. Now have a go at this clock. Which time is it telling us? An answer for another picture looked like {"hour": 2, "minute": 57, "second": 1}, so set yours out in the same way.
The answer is {"hour": 3, "minute": 9, "second": 52}
